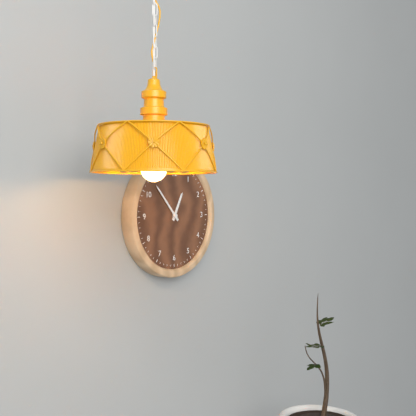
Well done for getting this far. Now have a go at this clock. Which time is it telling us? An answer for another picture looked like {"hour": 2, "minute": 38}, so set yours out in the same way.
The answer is {"hour": 12, "minute": 53}
